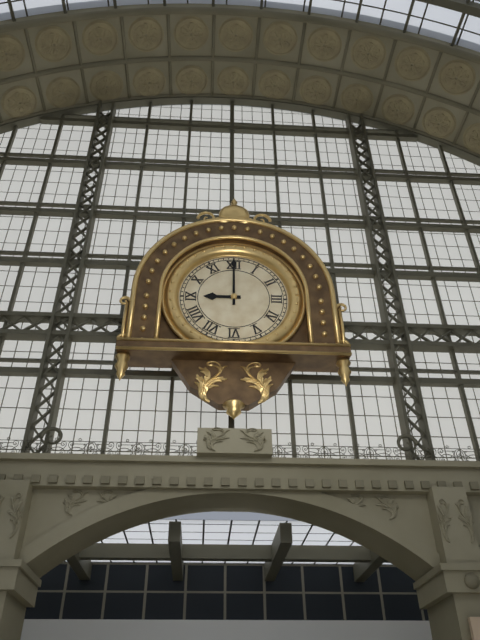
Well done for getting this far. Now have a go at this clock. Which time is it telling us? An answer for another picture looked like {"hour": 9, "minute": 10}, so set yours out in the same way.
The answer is {"hour": 9, "minute": 0}
